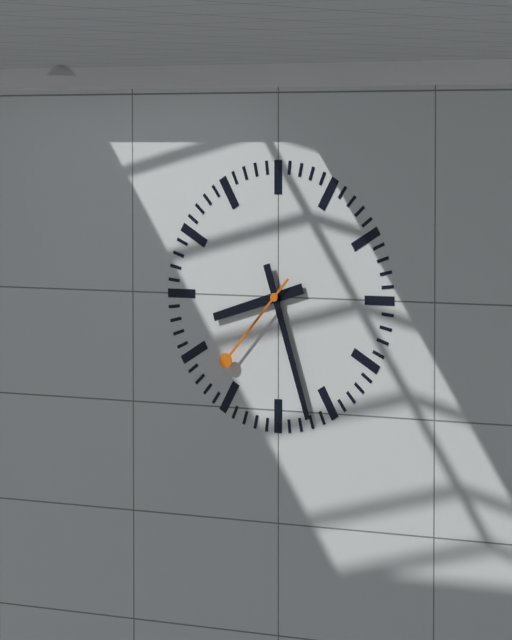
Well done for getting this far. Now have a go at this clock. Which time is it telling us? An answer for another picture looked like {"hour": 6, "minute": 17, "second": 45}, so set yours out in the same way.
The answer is {"hour": 8, "minute": 27, "second": 37}
